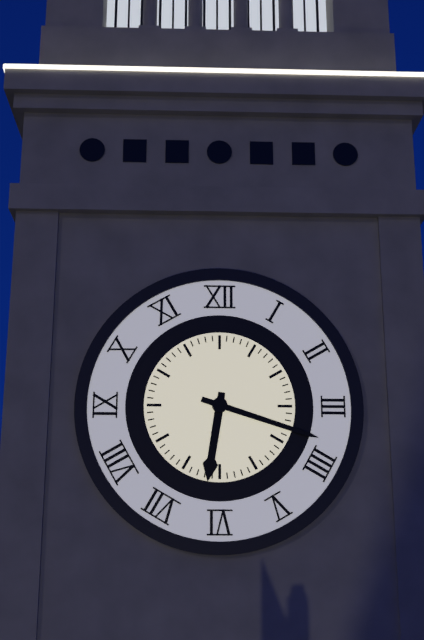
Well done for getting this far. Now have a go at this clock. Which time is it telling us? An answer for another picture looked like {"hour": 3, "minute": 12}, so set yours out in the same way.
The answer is {"hour": 6, "minute": 18}
